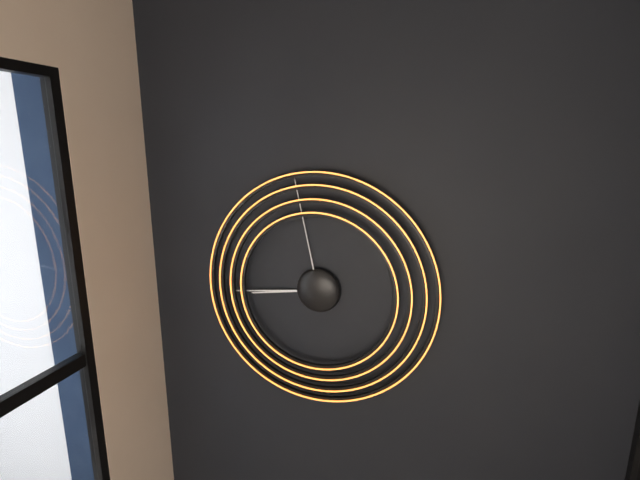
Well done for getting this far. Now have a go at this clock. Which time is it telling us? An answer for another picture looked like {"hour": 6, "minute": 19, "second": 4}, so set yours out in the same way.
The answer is {"hour": 8, "minute": 44, "second": 58}
